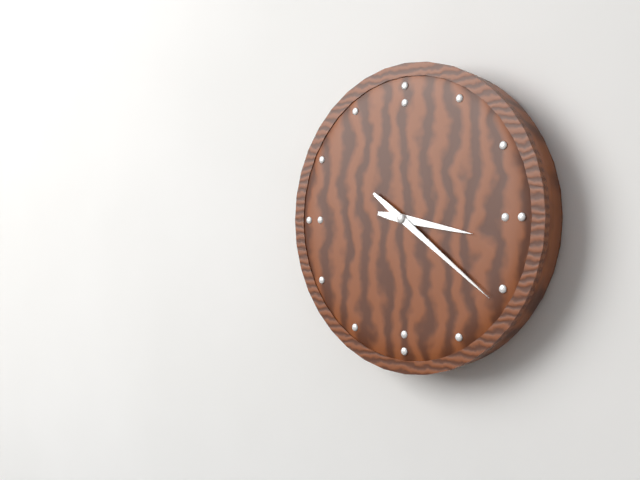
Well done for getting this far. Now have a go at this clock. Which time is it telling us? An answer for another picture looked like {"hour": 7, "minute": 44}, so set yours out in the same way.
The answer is {"hour": 3, "minute": 21}
